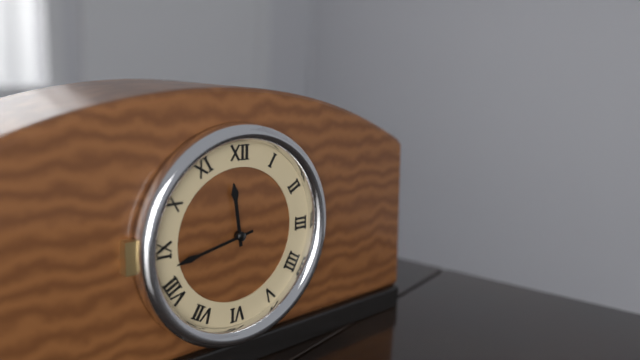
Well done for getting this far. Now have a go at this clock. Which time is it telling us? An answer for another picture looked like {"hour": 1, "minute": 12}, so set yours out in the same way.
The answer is {"hour": 11, "minute": 43}
